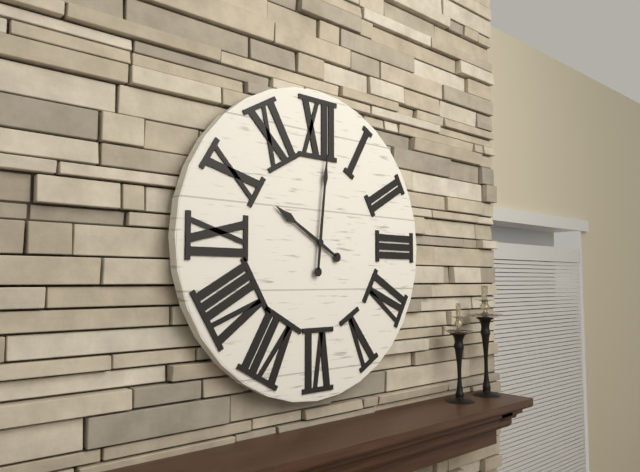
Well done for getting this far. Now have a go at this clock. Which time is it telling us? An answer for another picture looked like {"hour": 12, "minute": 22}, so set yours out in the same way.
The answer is {"hour": 10, "minute": 1}
